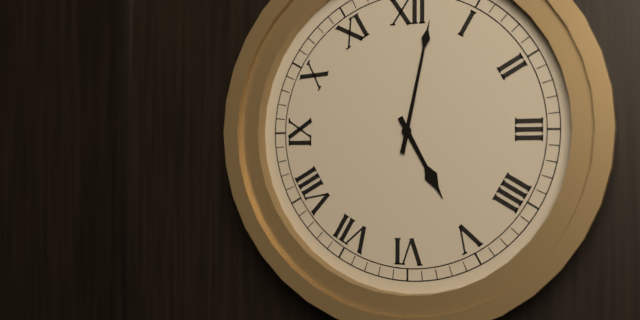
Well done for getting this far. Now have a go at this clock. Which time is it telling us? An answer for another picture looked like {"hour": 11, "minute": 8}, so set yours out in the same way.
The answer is {"hour": 5, "minute": 2}
